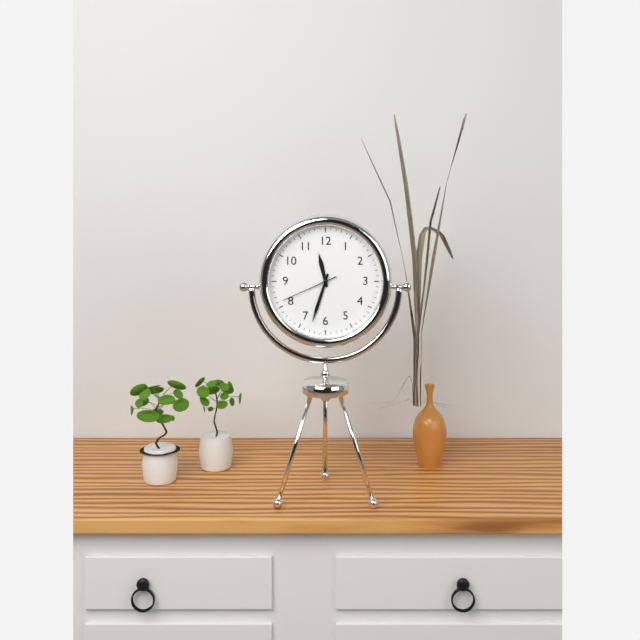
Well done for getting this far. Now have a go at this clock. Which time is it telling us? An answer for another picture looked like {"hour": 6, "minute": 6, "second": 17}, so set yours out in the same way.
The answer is {"hour": 11, "minute": 33, "second": 41}
